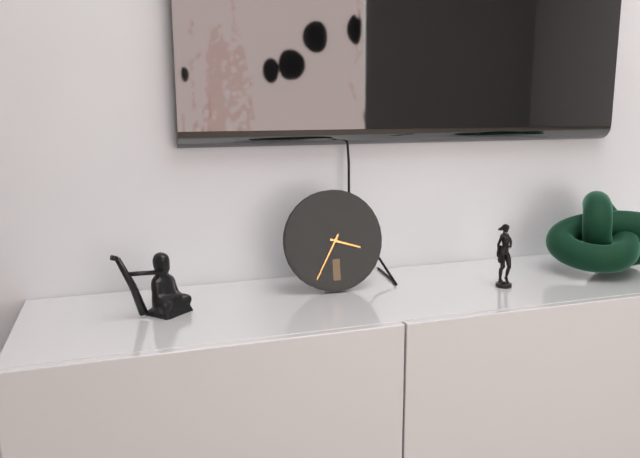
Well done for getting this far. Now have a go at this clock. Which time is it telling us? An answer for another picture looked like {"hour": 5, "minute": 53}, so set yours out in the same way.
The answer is {"hour": 3, "minute": 35}
